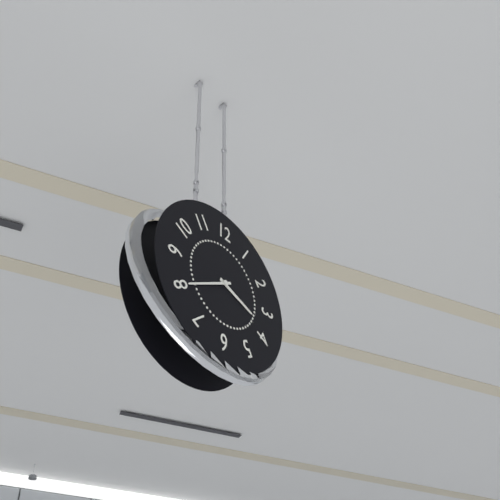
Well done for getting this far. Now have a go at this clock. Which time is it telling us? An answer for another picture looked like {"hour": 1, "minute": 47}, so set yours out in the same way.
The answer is {"hour": 3, "minute": 40}
